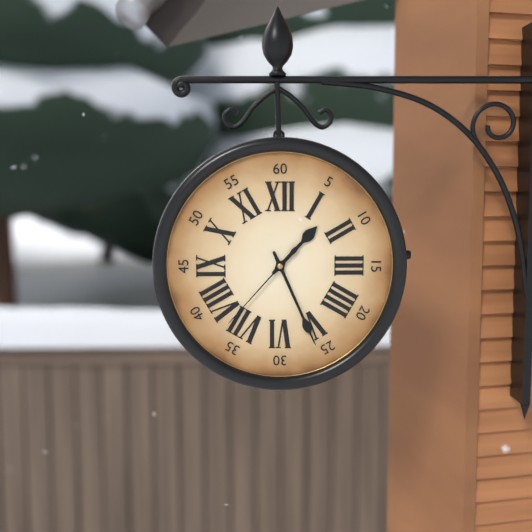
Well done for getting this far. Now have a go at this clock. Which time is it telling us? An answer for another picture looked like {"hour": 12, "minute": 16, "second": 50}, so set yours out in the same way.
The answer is {"hour": 1, "minute": 26, "second": 37}
